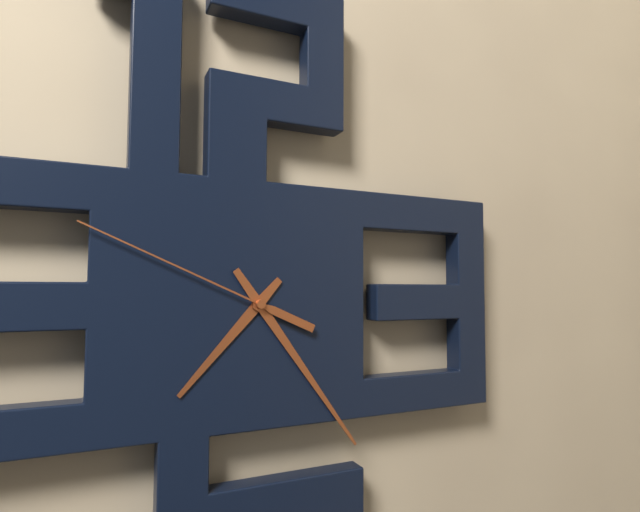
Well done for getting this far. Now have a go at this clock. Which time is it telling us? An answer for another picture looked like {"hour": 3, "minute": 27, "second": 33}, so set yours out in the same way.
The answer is {"hour": 7, "minute": 24, "second": 49}
